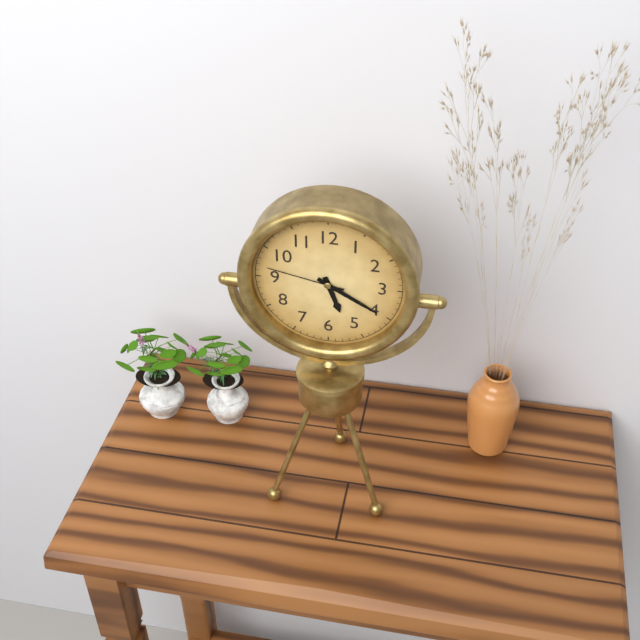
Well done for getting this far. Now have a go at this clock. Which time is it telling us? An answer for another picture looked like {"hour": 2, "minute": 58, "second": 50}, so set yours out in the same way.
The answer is {"hour": 5, "minute": 20, "second": 47}
